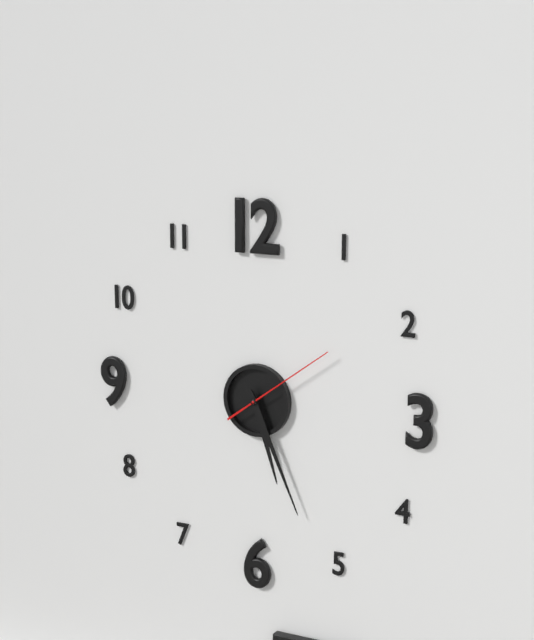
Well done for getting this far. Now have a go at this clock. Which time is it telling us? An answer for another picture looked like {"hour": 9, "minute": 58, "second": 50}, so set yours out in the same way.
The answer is {"hour": 5, "minute": 26, "second": 9}
